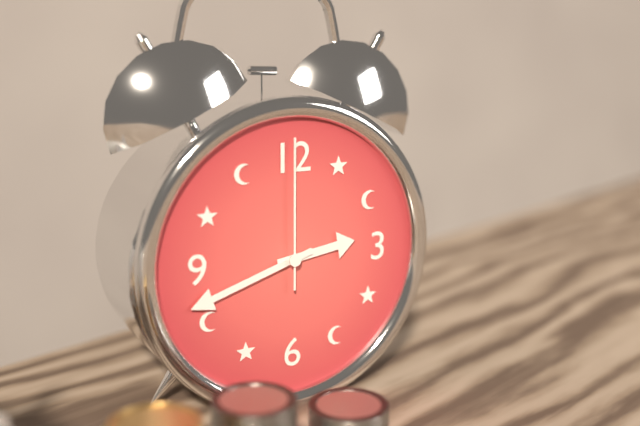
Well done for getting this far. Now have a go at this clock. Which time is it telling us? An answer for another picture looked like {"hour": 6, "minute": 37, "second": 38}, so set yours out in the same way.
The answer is {"hour": 2, "minute": 42, "second": 0}
